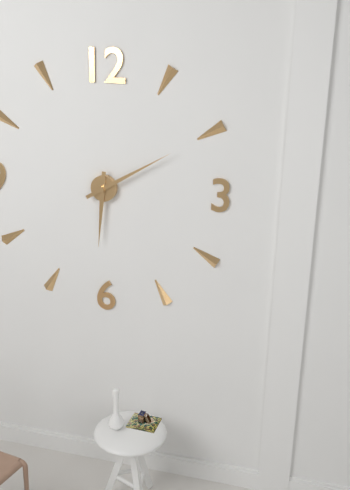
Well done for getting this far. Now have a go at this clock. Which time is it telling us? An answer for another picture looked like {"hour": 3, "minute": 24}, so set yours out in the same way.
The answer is {"hour": 6, "minute": 10}
